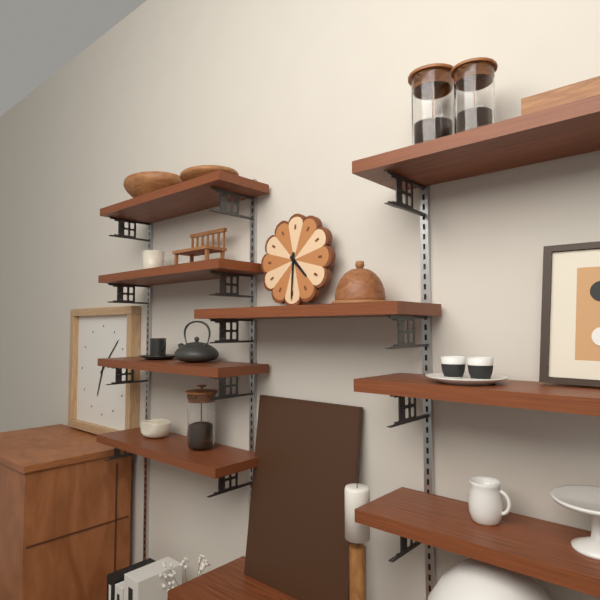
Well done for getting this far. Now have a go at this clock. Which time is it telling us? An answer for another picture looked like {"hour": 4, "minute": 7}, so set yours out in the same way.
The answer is {"hour": 4, "minute": 30}
